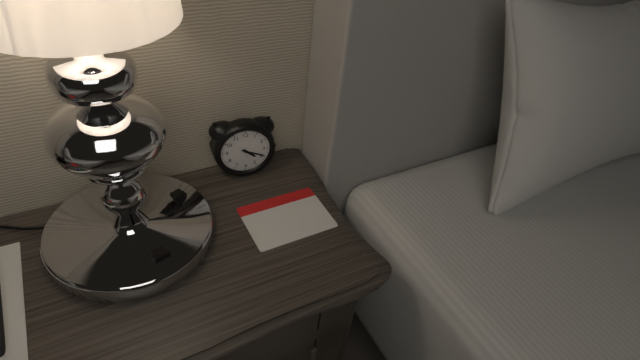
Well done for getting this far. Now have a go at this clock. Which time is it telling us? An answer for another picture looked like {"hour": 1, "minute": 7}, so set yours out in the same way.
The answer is {"hour": 4, "minute": 19}
